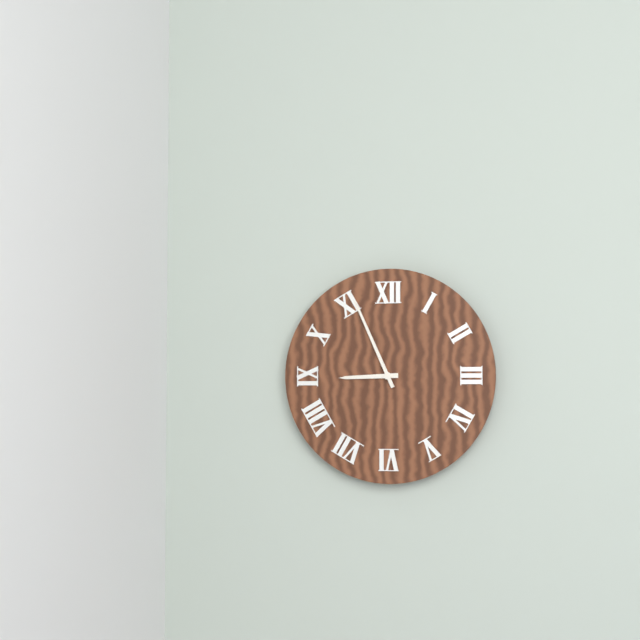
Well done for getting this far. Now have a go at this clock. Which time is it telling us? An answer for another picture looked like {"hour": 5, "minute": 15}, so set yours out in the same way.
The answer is {"hour": 8, "minute": 56}
